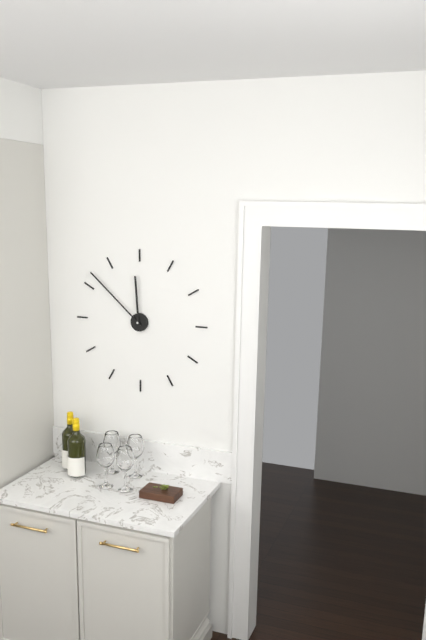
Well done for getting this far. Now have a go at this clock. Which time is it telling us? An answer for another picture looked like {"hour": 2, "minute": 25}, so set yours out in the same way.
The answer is {"hour": 11, "minute": 52}
